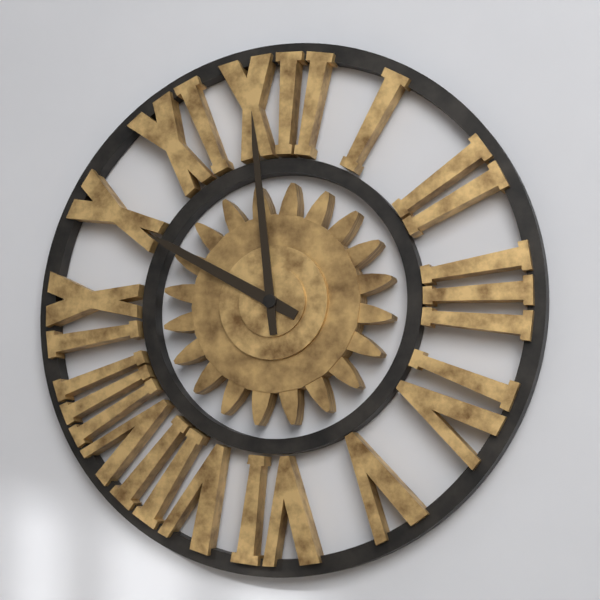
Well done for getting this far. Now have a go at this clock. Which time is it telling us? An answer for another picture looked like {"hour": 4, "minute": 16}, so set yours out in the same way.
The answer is {"hour": 9, "minute": 59}
